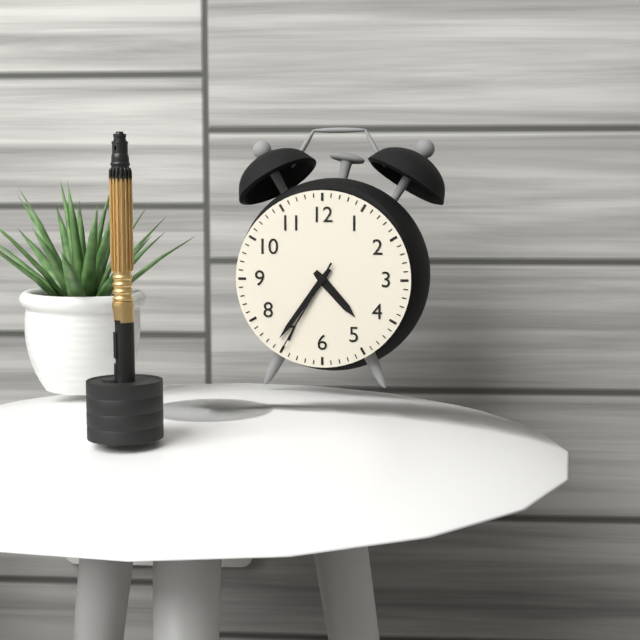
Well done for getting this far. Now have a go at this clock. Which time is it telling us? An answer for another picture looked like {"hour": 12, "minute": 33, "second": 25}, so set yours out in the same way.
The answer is {"hour": 4, "minute": 36, "second": 35}
